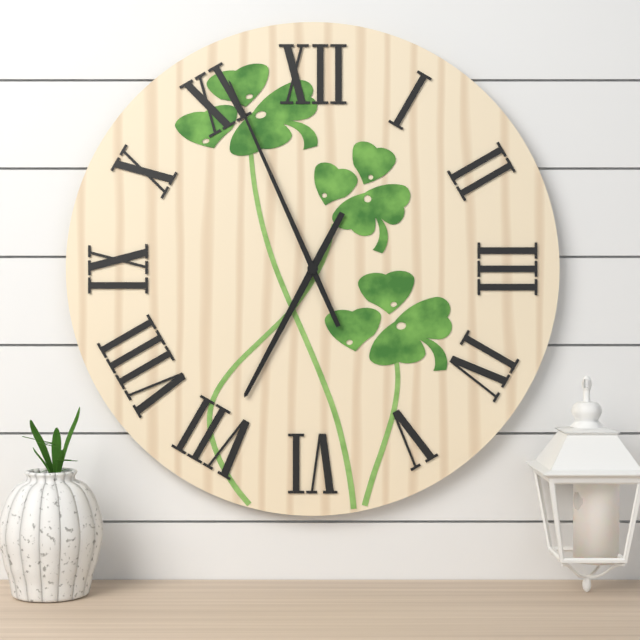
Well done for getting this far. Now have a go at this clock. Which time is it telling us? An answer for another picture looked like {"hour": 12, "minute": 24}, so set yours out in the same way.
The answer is {"hour": 6, "minute": 56}
